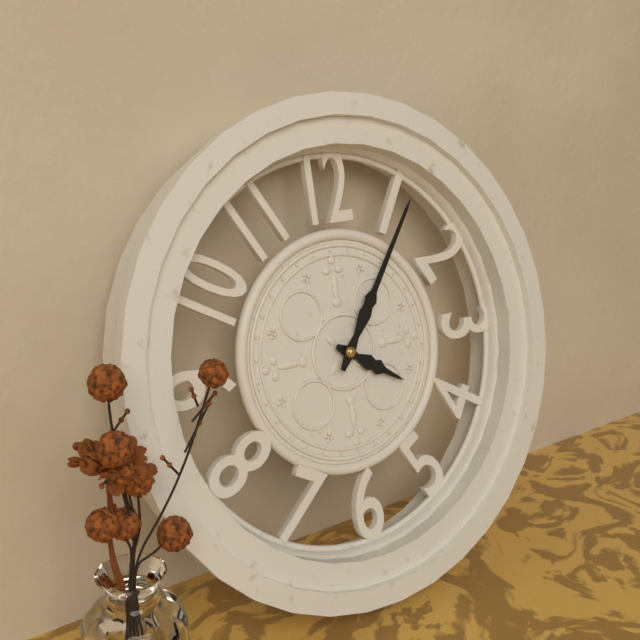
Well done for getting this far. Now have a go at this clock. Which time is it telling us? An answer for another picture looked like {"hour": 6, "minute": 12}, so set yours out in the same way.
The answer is {"hour": 4, "minute": 6}
